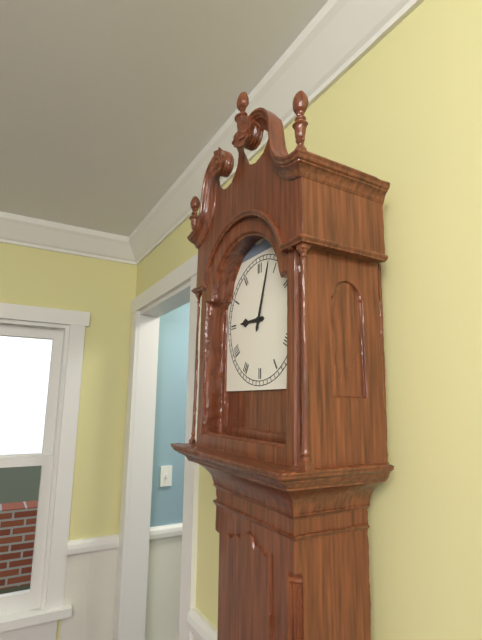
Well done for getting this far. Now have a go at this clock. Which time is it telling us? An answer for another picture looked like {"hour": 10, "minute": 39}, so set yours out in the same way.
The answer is {"hour": 9, "minute": 3}
